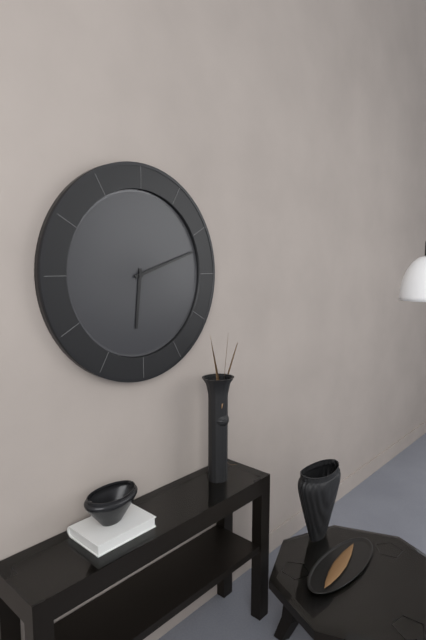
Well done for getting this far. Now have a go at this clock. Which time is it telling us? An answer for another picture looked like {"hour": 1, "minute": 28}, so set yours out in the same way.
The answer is {"hour": 6, "minute": 12}
